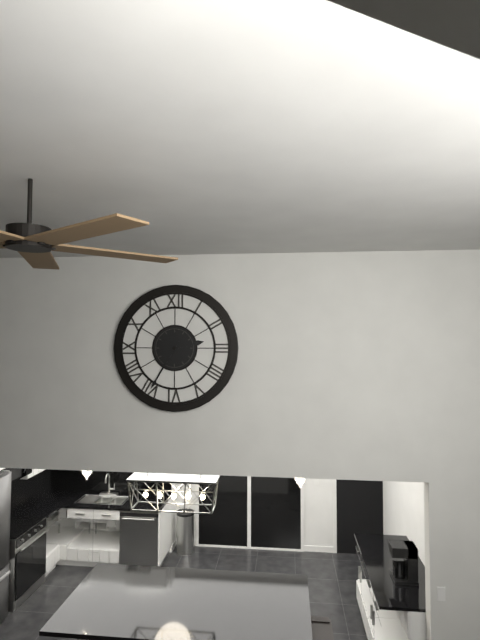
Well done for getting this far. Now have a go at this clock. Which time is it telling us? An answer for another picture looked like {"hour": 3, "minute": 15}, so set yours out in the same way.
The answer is {"hour": 2, "minute": 35}
